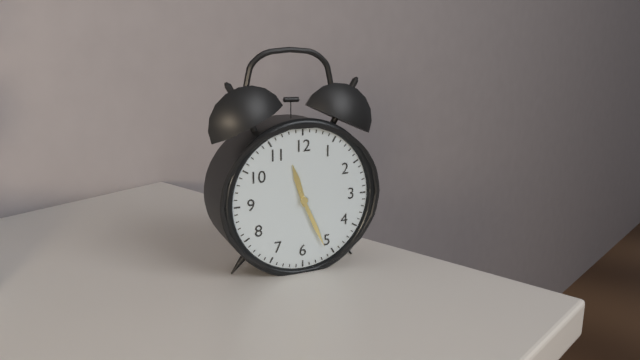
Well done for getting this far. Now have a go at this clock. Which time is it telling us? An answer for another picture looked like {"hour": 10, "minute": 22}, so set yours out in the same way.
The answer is {"hour": 11, "minute": 26}
